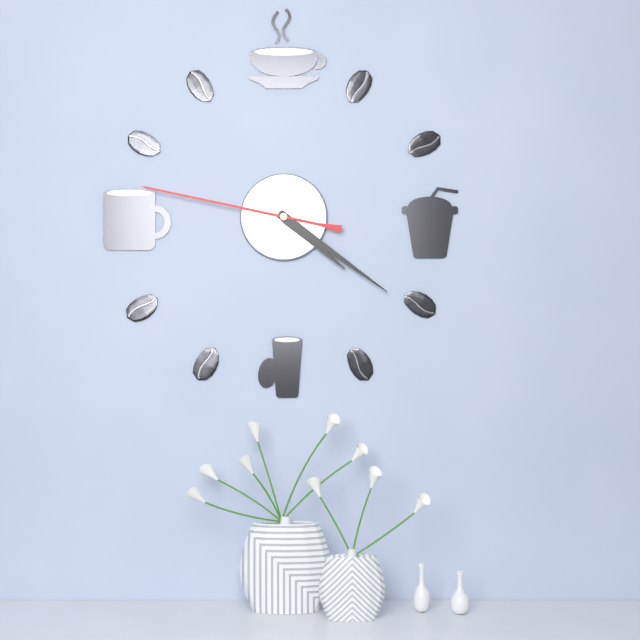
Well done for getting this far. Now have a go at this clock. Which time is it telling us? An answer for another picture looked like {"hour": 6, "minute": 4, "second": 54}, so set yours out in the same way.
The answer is {"hour": 4, "minute": 21, "second": 47}
